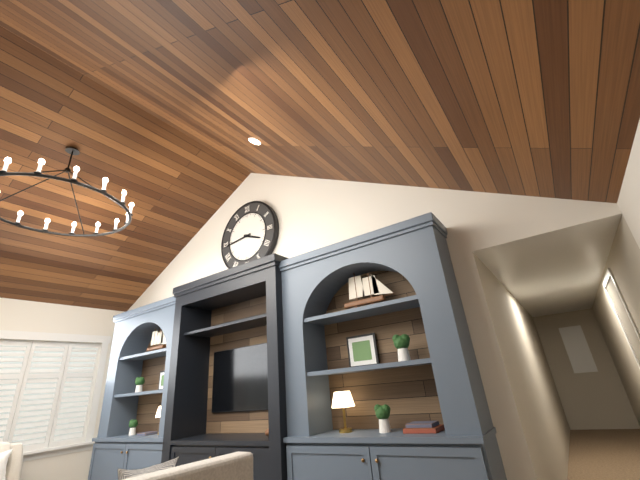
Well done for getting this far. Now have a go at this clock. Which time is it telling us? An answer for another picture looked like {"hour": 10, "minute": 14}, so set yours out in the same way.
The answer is {"hour": 3, "minute": 44}
